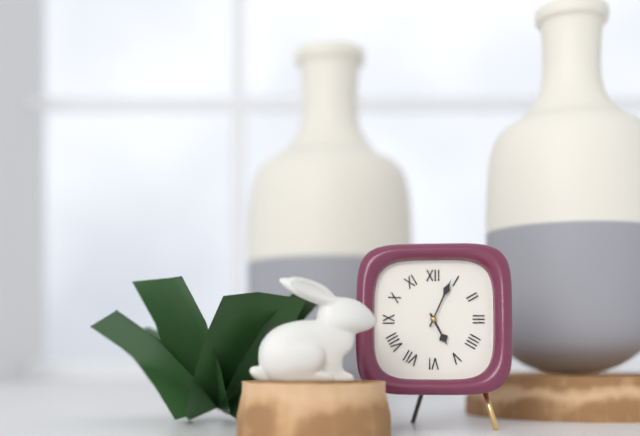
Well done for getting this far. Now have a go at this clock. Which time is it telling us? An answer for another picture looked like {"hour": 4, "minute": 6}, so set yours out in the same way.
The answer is {"hour": 5, "minute": 4}
